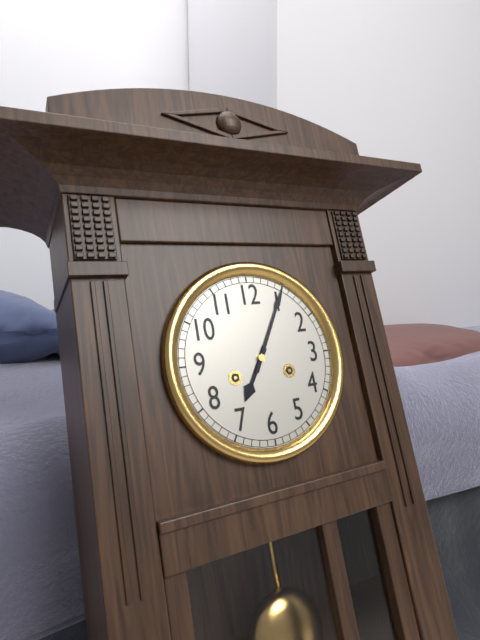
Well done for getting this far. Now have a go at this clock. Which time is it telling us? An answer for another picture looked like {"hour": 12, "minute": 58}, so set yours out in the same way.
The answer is {"hour": 7, "minute": 5}
